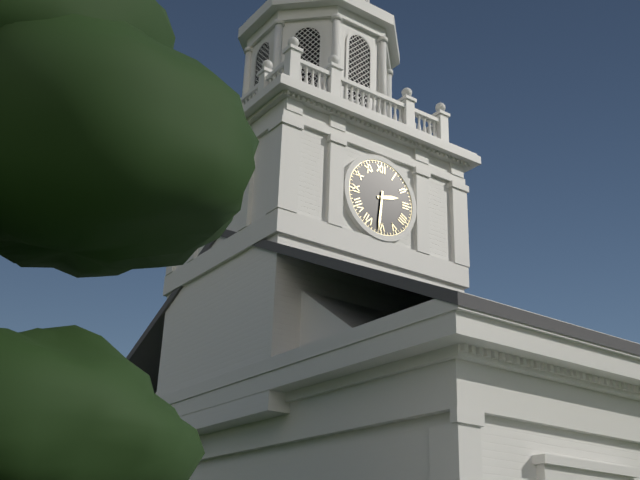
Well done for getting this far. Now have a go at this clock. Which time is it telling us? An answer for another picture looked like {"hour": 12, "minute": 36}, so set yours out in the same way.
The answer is {"hour": 2, "minute": 31}
